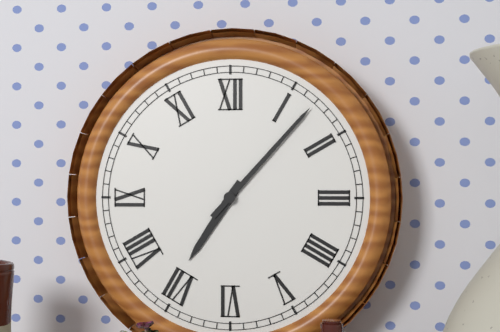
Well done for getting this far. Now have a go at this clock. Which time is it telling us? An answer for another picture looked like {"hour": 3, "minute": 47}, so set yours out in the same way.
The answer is {"hour": 7, "minute": 7}
